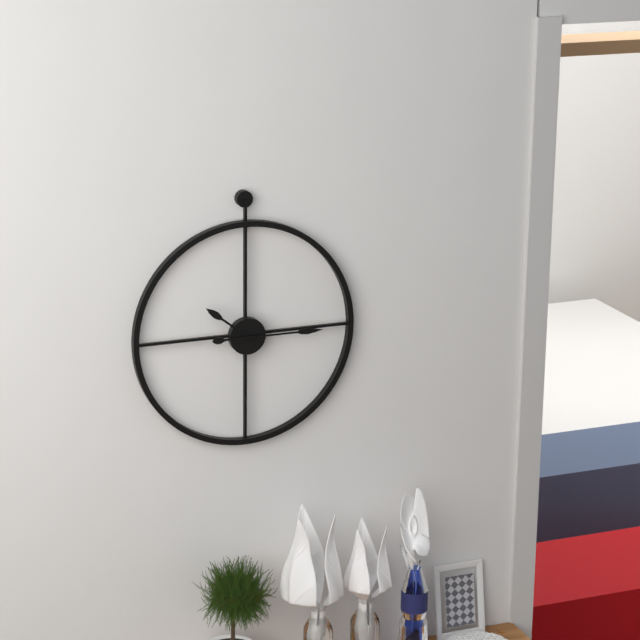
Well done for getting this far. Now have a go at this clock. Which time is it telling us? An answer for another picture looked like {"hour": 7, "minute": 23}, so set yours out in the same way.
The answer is {"hour": 10, "minute": 15}
